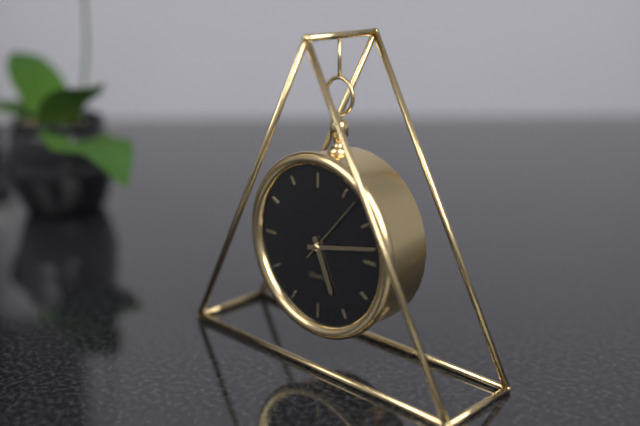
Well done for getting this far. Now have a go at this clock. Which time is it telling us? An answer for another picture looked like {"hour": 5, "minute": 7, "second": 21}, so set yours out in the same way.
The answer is {"hour": 5, "minute": 13, "second": 7}
